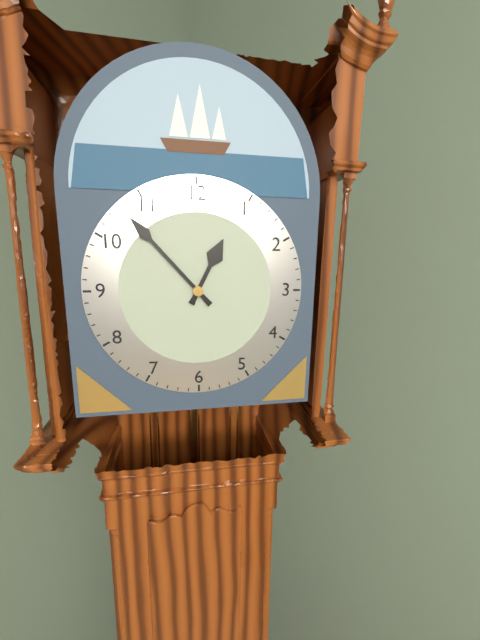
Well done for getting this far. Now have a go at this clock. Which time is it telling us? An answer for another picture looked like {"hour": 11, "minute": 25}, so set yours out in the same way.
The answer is {"hour": 12, "minute": 53}
